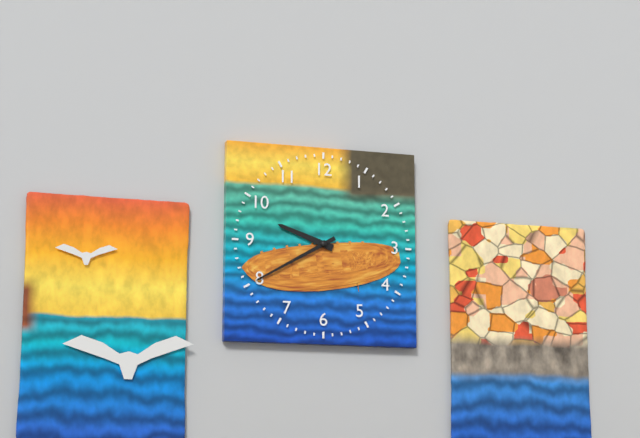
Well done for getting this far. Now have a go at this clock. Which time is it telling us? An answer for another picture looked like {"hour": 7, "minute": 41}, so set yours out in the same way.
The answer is {"hour": 9, "minute": 40}
